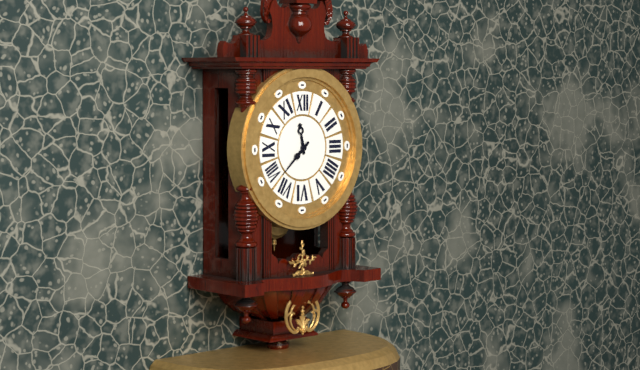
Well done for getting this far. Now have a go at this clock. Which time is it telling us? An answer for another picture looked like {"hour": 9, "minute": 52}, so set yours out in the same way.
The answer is {"hour": 11, "minute": 38}
